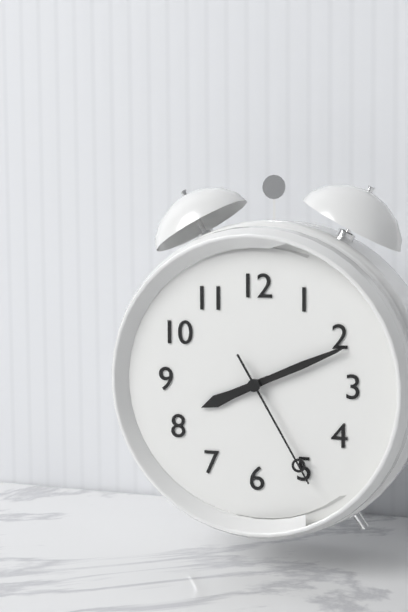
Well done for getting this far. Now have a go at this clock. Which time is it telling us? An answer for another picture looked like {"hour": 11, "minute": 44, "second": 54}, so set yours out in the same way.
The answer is {"hour": 8, "minute": 11, "second": 25}
